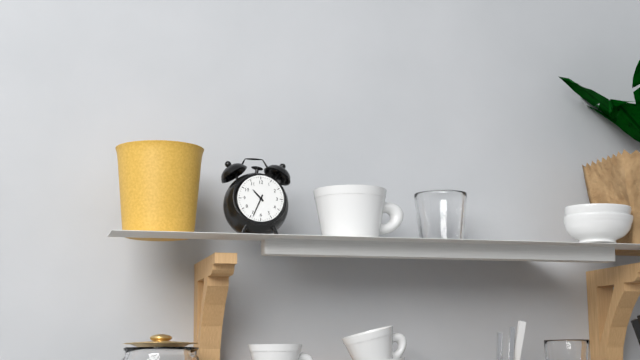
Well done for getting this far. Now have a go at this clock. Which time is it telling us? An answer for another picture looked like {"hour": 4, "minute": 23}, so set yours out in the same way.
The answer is {"hour": 10, "minute": 34}
